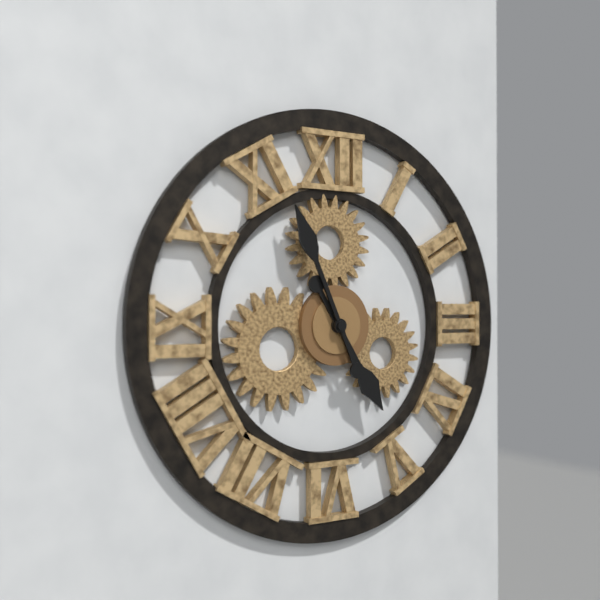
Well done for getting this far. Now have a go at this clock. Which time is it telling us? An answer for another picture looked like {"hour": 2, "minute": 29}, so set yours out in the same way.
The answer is {"hour": 4, "minute": 56}
